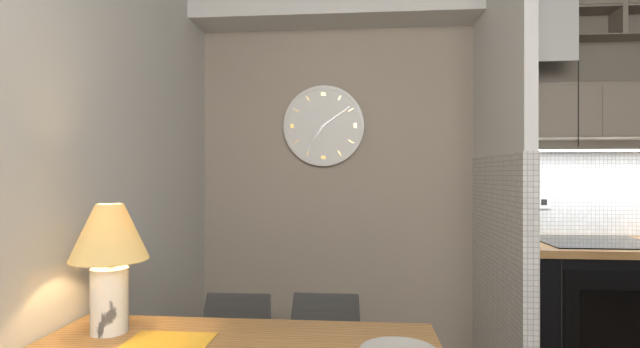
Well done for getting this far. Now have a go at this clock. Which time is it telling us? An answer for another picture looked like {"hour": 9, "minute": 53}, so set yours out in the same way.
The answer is {"hour": 7, "minute": 9}
